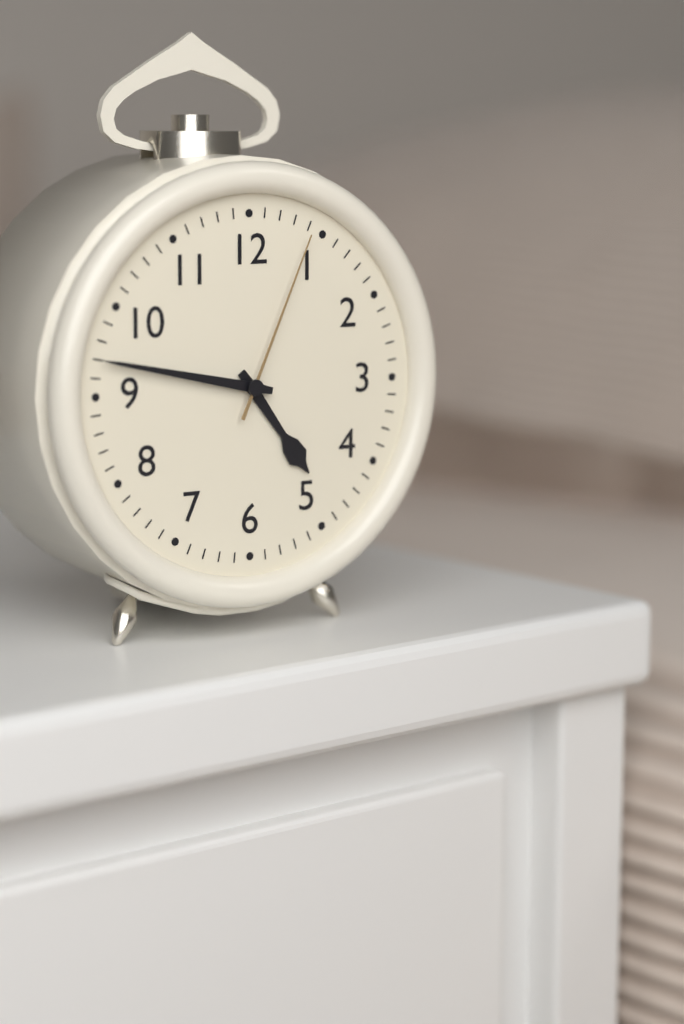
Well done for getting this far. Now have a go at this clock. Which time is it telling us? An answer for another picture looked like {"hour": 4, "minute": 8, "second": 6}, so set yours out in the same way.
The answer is {"hour": 4, "minute": 47, "second": 4}
